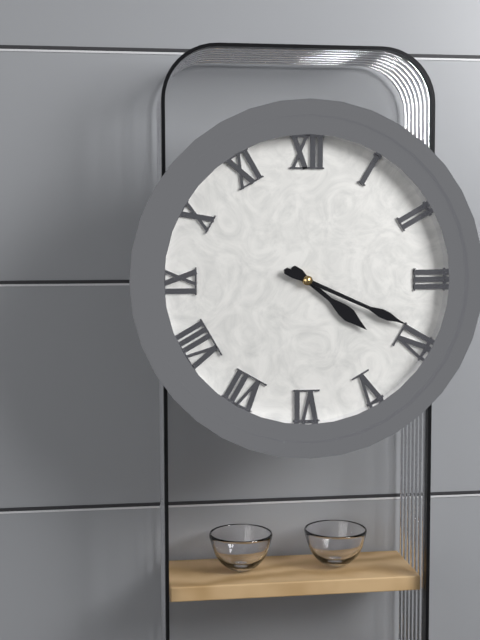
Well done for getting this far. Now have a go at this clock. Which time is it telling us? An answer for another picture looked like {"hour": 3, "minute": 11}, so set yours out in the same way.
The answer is {"hour": 4, "minute": 19}
